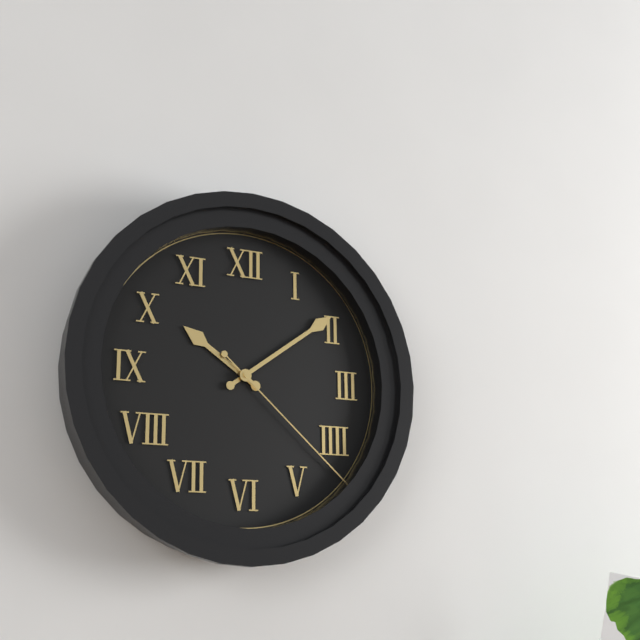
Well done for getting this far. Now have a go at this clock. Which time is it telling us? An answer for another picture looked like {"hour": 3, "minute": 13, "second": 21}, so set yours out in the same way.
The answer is {"hour": 10, "minute": 9, "second": 22}
